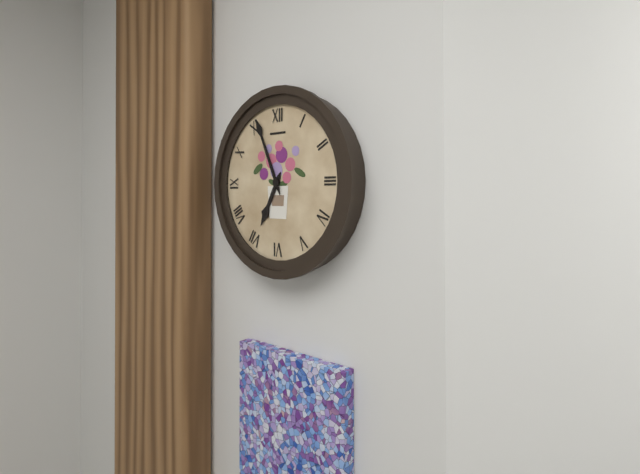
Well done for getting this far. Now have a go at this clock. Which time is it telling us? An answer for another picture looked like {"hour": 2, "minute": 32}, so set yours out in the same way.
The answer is {"hour": 6, "minute": 56}
